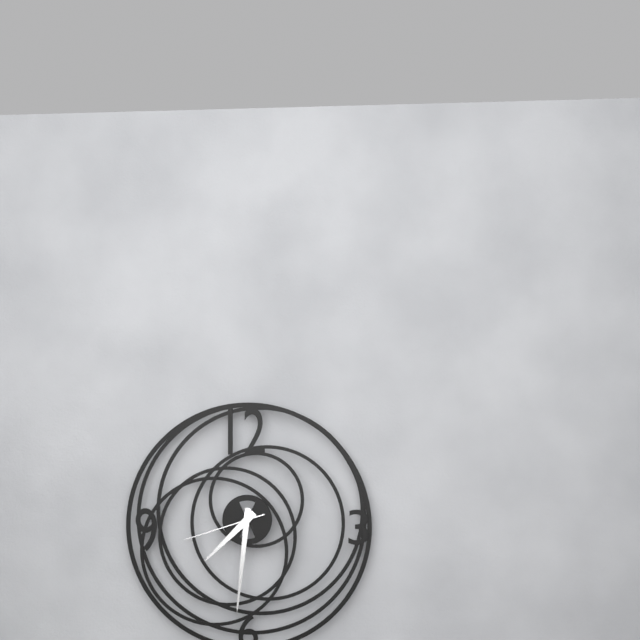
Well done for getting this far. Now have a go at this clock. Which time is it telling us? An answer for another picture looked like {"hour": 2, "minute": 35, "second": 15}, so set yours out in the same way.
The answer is {"hour": 7, "minute": 31, "second": 42}
